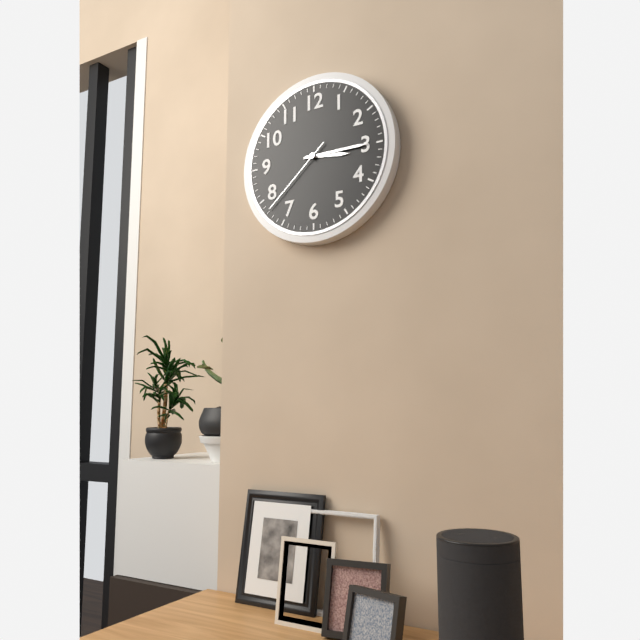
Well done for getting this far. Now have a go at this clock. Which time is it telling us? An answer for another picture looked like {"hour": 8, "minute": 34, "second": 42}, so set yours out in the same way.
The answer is {"hour": 3, "minute": 15, "second": 38}
